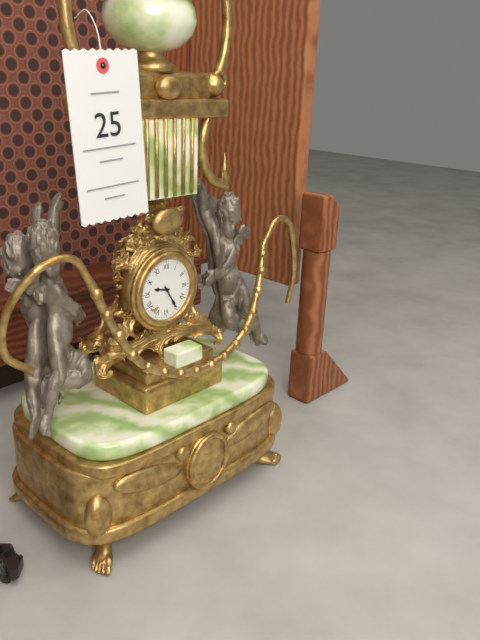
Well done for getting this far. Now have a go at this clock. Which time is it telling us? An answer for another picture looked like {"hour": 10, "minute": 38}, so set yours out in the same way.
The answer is {"hour": 9, "minute": 25}
